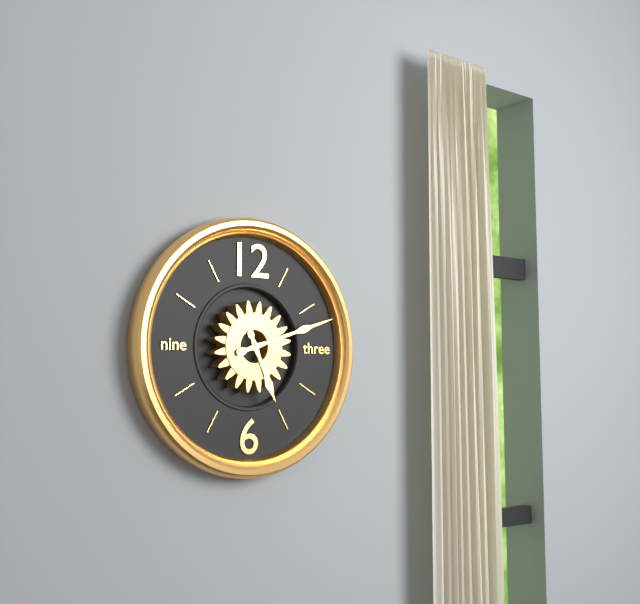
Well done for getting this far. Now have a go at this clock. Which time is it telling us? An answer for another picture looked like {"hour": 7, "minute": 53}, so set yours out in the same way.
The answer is {"hour": 5, "minute": 12}
